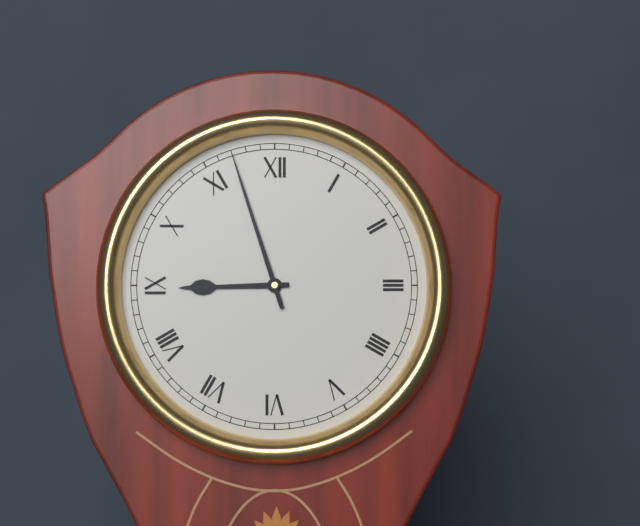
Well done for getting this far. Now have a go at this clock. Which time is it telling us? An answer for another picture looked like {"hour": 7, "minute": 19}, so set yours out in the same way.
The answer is {"hour": 8, "minute": 57}
